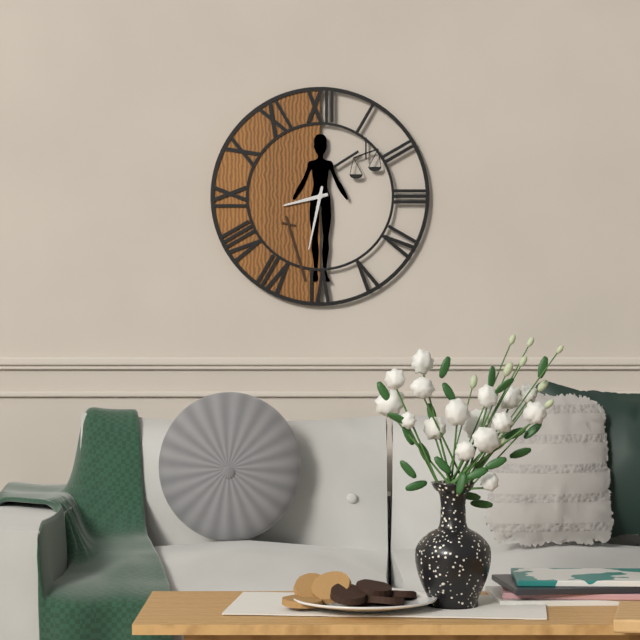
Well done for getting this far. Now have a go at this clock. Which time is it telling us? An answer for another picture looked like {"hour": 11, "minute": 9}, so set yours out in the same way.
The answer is {"hour": 8, "minute": 32}
